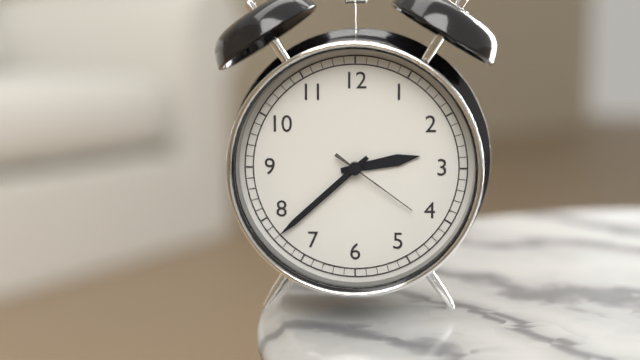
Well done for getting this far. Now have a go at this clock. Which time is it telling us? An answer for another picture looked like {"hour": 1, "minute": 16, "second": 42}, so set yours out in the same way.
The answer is {"hour": 2, "minute": 38, "second": 21}
